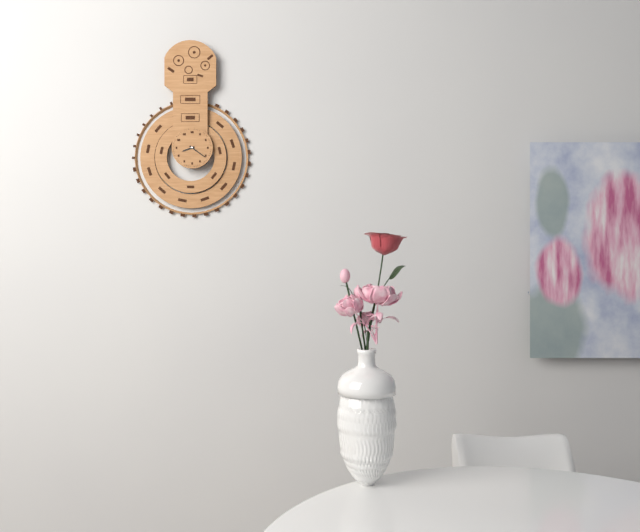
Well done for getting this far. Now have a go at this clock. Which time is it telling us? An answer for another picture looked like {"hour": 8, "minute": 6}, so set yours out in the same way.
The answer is {"hour": 8, "minute": 21}
